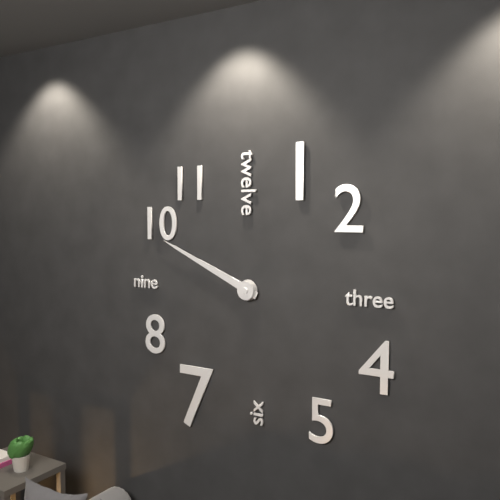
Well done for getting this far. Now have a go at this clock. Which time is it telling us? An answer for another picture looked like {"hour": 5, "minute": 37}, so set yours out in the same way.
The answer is {"hour": 9, "minute": 49}
